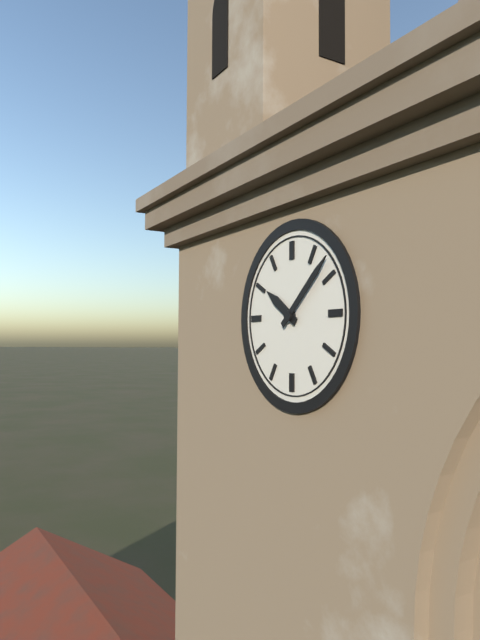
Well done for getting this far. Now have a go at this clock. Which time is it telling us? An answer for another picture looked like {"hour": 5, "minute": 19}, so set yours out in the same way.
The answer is {"hour": 10, "minute": 8}
